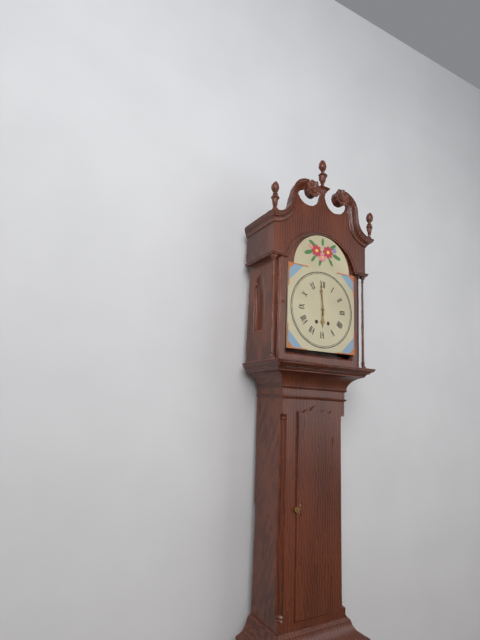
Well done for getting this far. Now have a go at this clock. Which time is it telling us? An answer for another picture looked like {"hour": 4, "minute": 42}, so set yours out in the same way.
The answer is {"hour": 5, "minute": 59}
